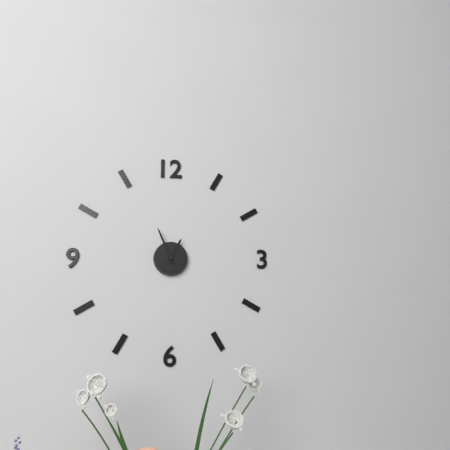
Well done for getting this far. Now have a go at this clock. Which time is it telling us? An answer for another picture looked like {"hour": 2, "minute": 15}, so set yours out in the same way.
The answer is {"hour": 12, "minute": 56}
